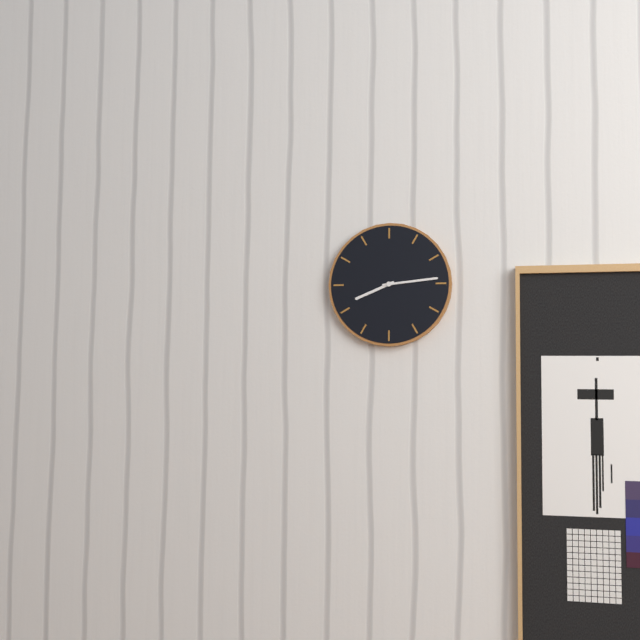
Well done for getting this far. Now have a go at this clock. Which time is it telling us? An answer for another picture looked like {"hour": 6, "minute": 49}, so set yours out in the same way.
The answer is {"hour": 8, "minute": 14}
